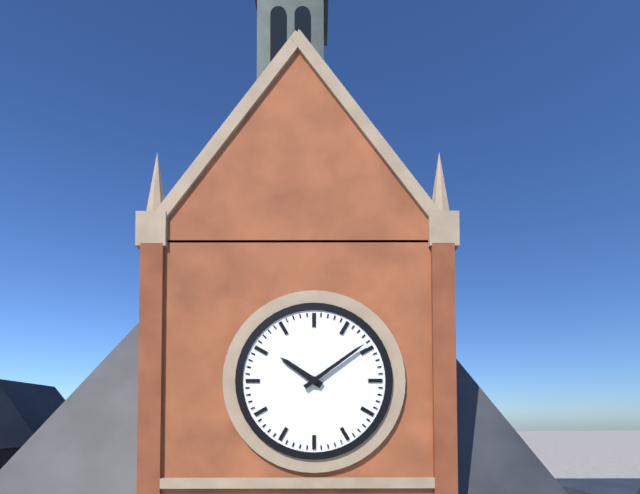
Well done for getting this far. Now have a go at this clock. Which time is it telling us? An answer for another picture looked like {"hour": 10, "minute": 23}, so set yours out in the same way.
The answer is {"hour": 10, "minute": 9}
